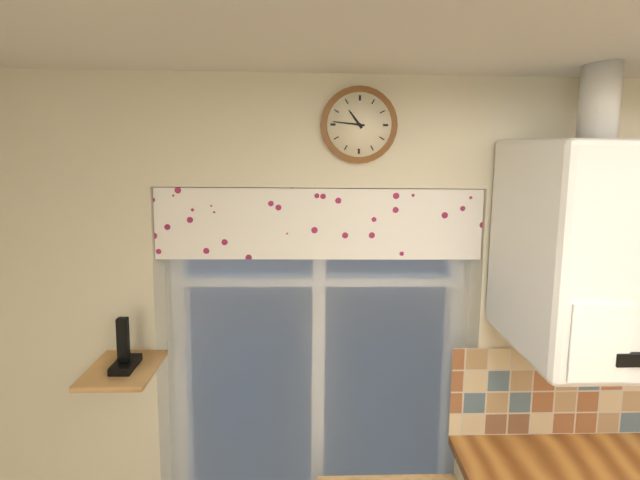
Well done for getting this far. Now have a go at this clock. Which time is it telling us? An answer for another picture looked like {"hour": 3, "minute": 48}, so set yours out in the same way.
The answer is {"hour": 10, "minute": 46}
